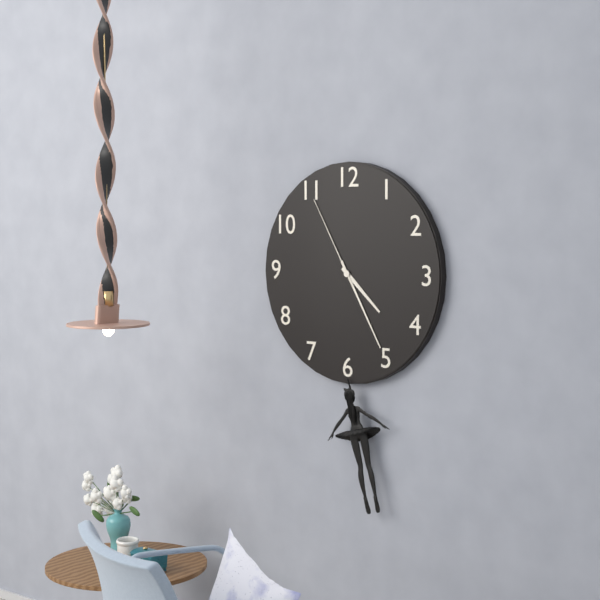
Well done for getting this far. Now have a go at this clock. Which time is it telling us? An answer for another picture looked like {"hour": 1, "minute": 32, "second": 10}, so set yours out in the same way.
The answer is {"hour": 4, "minute": 25, "second": 55}
